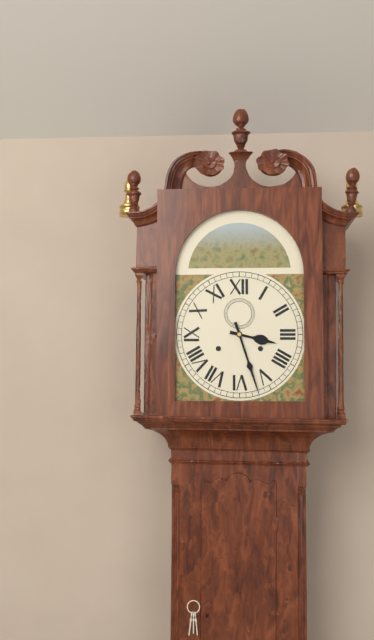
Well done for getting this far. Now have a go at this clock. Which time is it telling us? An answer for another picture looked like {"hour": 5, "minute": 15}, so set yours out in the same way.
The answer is {"hour": 3, "minute": 27}
